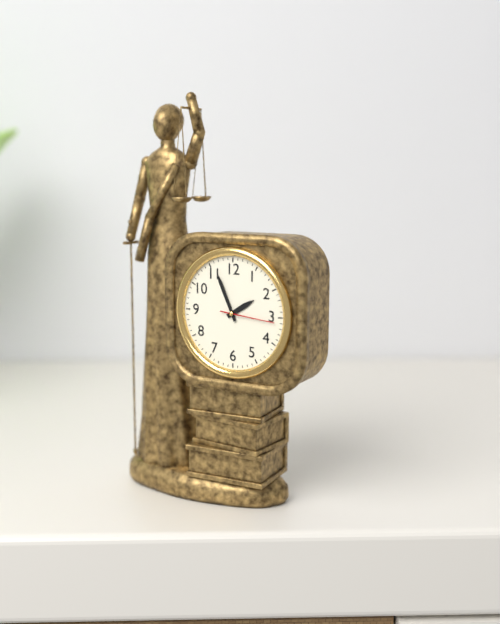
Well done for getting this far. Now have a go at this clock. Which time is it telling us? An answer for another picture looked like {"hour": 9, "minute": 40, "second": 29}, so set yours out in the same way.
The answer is {"hour": 1, "minute": 56, "second": 16}
